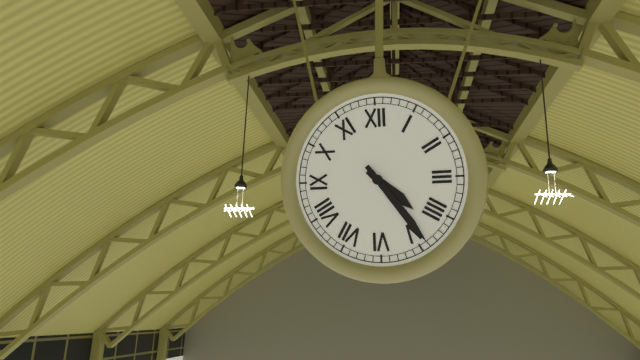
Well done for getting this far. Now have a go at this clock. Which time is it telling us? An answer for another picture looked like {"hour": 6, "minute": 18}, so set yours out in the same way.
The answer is {"hour": 4, "minute": 24}
